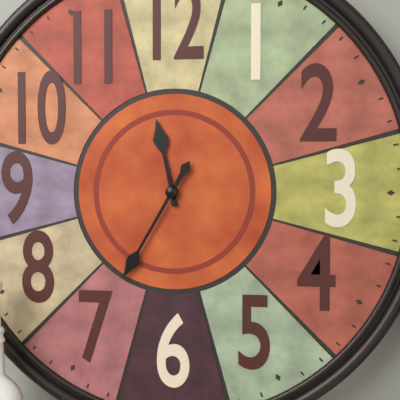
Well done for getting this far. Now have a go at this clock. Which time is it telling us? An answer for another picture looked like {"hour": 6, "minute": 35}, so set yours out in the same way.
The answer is {"hour": 11, "minute": 35}
